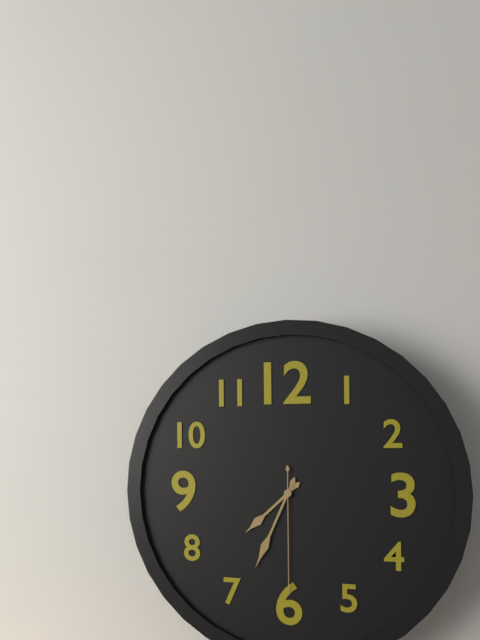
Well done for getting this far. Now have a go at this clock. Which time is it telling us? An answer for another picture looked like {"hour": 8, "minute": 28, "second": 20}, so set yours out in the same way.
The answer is {"hour": 7, "minute": 34, "second": 30}
